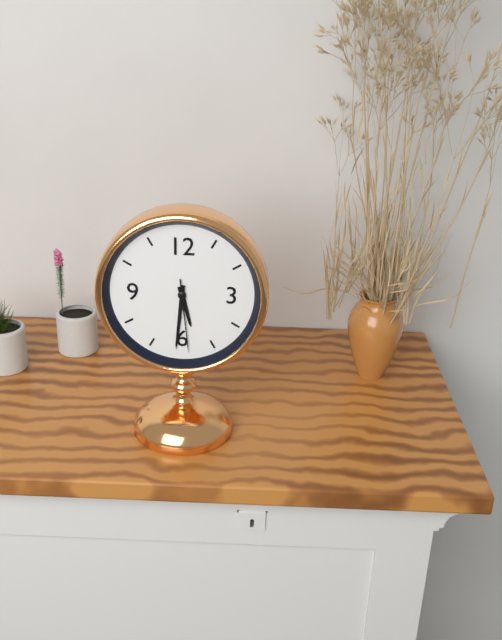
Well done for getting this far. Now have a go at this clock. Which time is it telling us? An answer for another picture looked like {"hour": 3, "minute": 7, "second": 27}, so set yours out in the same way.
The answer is {"hour": 5, "minute": 31, "second": 29}
